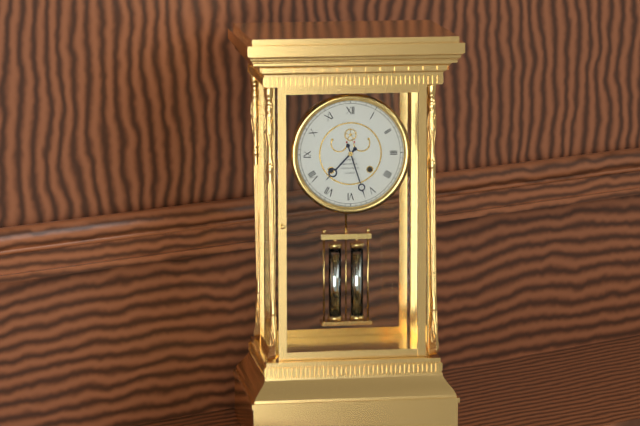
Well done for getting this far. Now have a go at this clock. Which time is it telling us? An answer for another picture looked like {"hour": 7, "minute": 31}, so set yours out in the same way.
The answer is {"hour": 7, "minute": 27}
